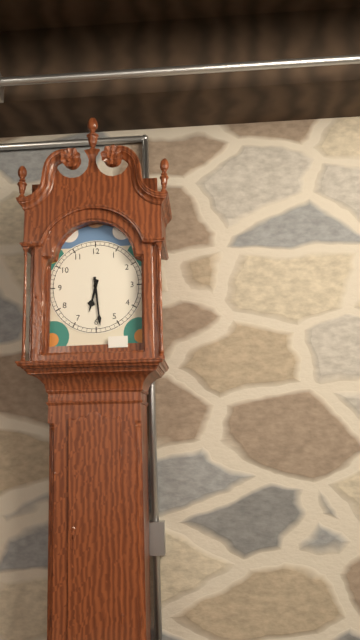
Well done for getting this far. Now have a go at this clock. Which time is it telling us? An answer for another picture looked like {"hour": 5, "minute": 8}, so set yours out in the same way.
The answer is {"hour": 6, "minute": 29}
